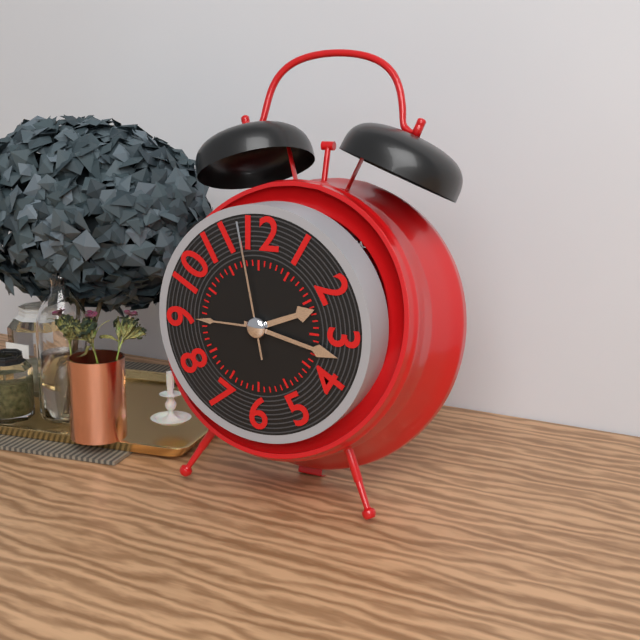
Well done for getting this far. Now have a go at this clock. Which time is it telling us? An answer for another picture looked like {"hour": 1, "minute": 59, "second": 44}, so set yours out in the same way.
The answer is {"hour": 2, "minute": 17, "second": 58}
